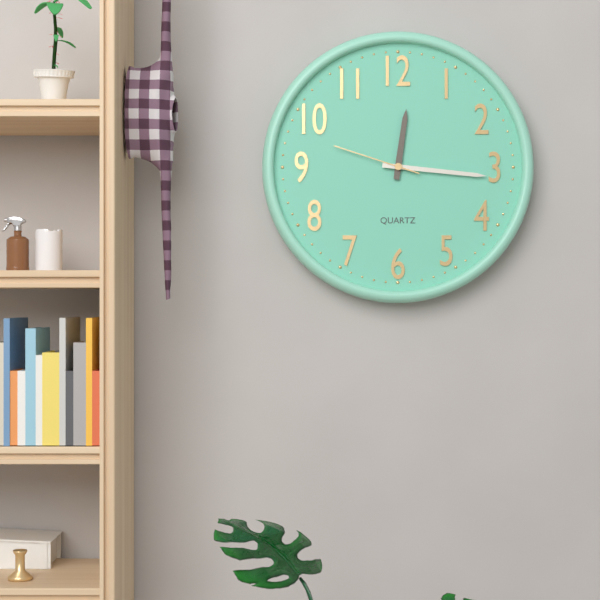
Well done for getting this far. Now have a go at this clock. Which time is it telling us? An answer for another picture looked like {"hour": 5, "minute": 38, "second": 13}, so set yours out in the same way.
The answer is {"hour": 12, "minute": 16, "second": 48}
